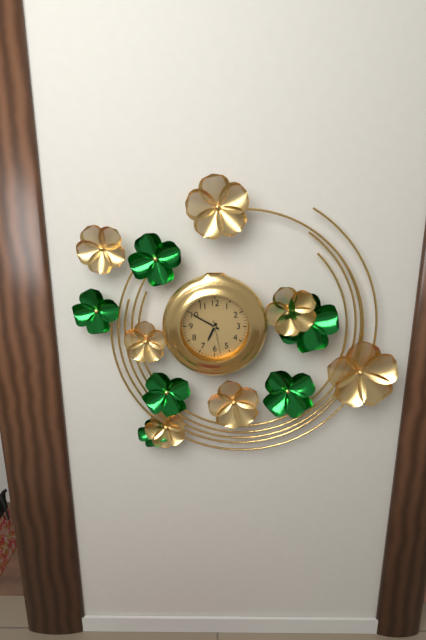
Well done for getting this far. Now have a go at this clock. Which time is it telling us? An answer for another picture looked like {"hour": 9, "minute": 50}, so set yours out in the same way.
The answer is {"hour": 6, "minute": 50}
